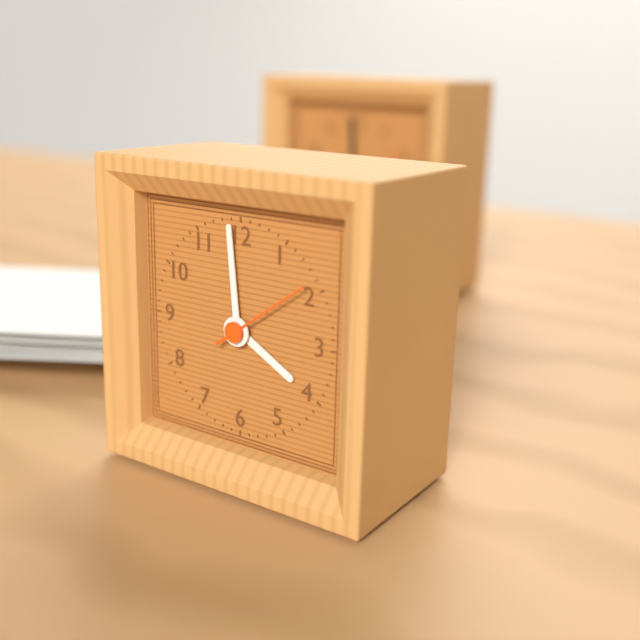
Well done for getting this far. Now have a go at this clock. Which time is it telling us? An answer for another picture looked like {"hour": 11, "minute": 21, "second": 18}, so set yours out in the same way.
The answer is {"hour": 3, "minute": 59, "second": 9}
